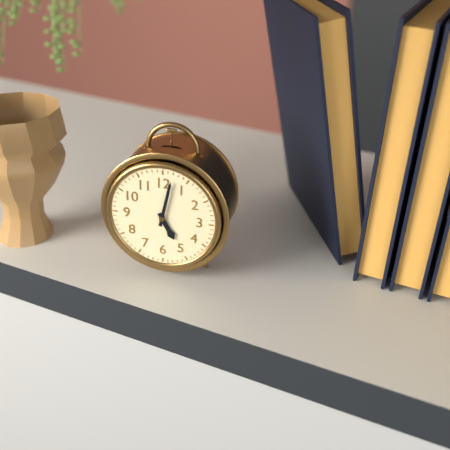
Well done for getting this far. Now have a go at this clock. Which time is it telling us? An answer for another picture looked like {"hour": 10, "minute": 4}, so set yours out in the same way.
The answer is {"hour": 5, "minute": 2}
